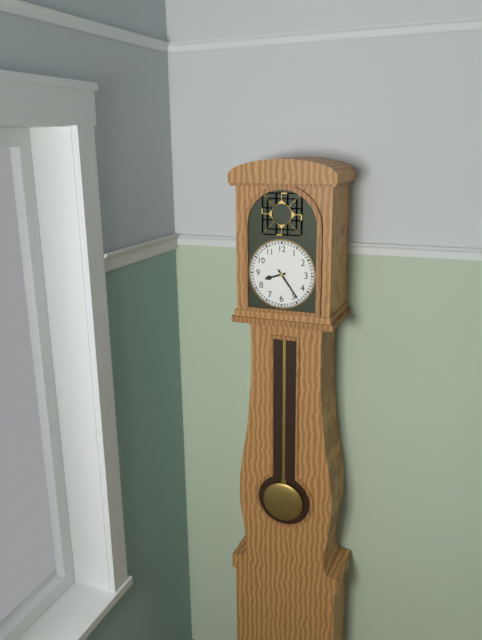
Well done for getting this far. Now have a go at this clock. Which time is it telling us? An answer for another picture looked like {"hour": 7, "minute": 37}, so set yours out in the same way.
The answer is {"hour": 8, "minute": 24}
